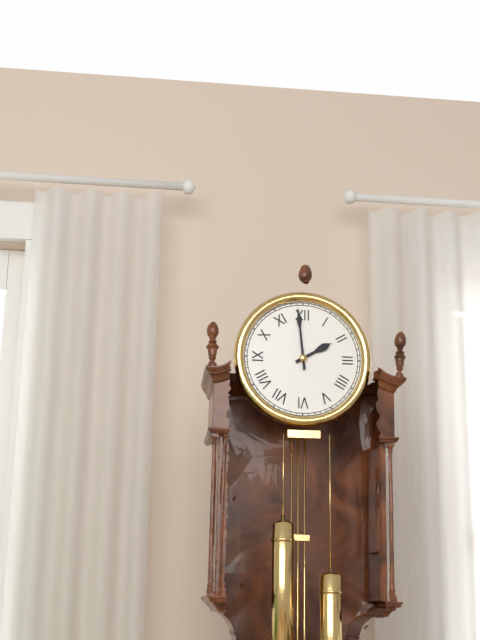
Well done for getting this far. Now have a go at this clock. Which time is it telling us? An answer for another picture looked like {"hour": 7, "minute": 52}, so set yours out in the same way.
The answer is {"hour": 1, "minute": 59}
